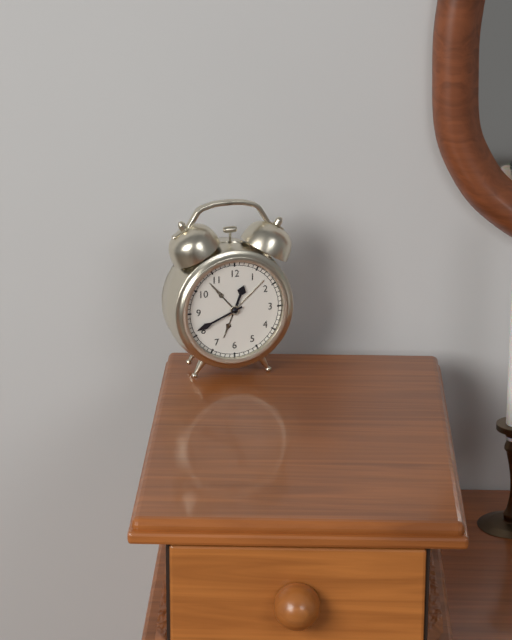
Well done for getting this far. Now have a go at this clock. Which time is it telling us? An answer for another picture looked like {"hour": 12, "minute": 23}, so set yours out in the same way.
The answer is {"hour": 12, "minute": 41}
